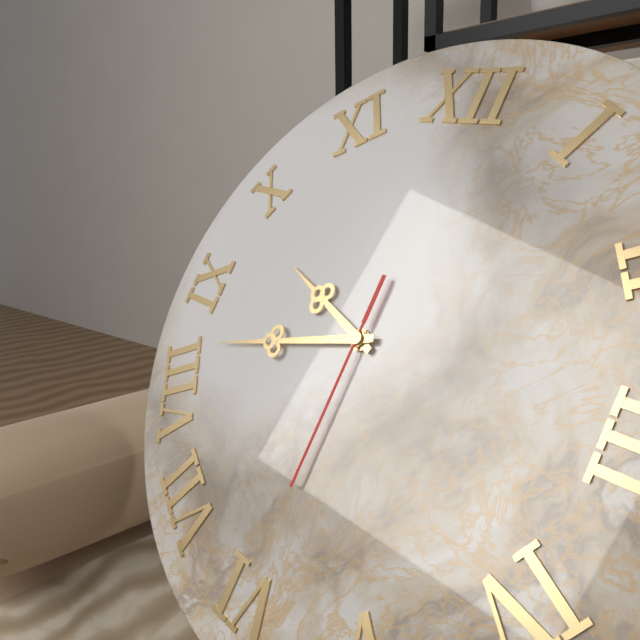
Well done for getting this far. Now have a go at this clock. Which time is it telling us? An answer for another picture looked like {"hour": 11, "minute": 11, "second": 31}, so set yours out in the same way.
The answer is {"hour": 9, "minute": 42, "second": 30}
